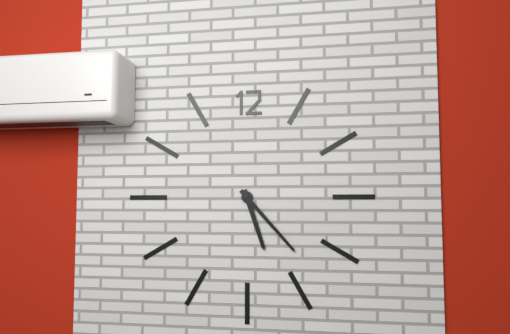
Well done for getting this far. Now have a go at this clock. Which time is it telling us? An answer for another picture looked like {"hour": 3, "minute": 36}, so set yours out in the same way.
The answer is {"hour": 5, "minute": 23}
